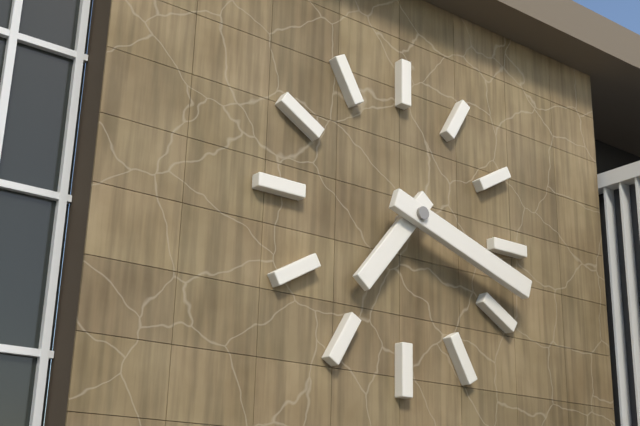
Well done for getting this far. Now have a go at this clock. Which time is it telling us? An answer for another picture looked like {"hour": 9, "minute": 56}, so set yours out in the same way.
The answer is {"hour": 7, "minute": 18}
